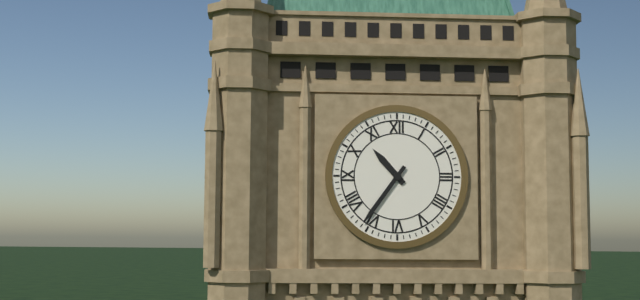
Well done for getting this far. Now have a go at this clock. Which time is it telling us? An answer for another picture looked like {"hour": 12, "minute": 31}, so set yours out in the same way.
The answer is {"hour": 10, "minute": 36}
